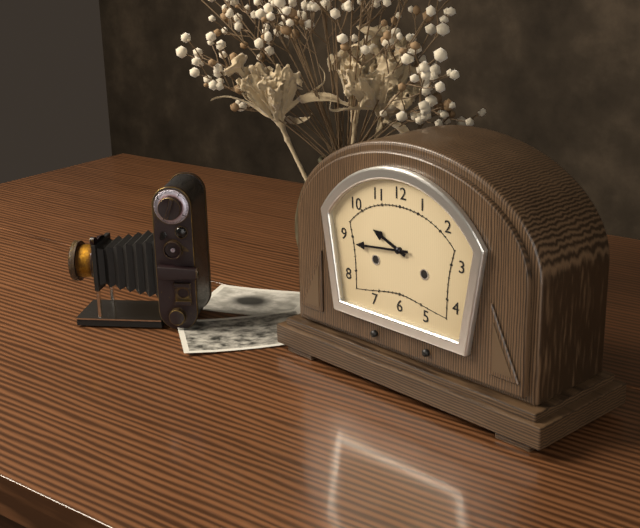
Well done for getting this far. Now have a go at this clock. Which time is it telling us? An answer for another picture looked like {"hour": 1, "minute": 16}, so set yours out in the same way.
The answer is {"hour": 9, "minute": 44}
